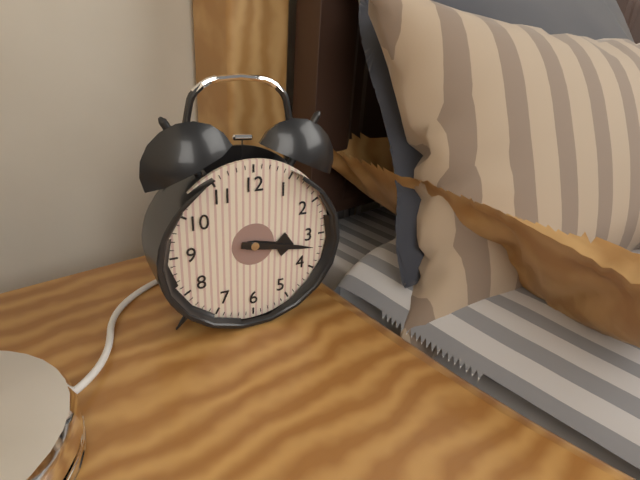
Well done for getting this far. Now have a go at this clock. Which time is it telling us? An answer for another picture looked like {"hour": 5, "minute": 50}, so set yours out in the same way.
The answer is {"hour": 3, "minute": 17}
